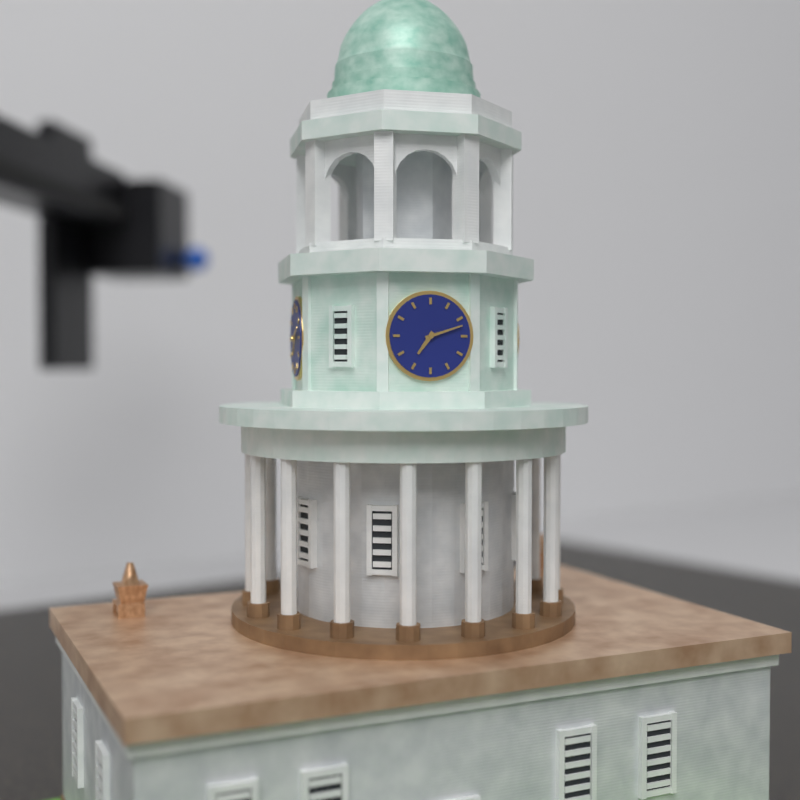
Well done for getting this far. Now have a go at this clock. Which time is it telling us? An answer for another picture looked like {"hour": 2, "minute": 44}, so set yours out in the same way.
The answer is {"hour": 7, "minute": 12}
